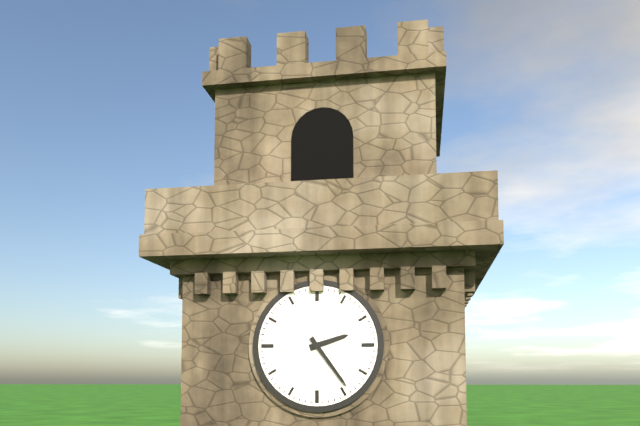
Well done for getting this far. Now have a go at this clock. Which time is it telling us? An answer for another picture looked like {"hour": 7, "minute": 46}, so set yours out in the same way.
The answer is {"hour": 2, "minute": 24}
